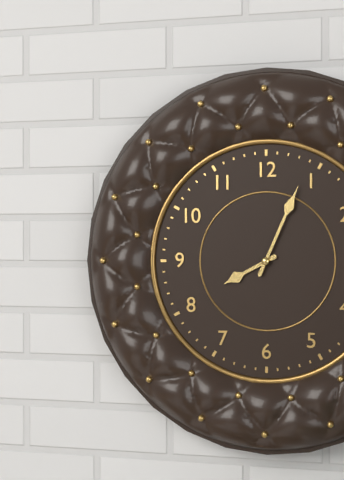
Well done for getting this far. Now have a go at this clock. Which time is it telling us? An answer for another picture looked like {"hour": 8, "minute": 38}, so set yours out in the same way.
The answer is {"hour": 8, "minute": 4}
